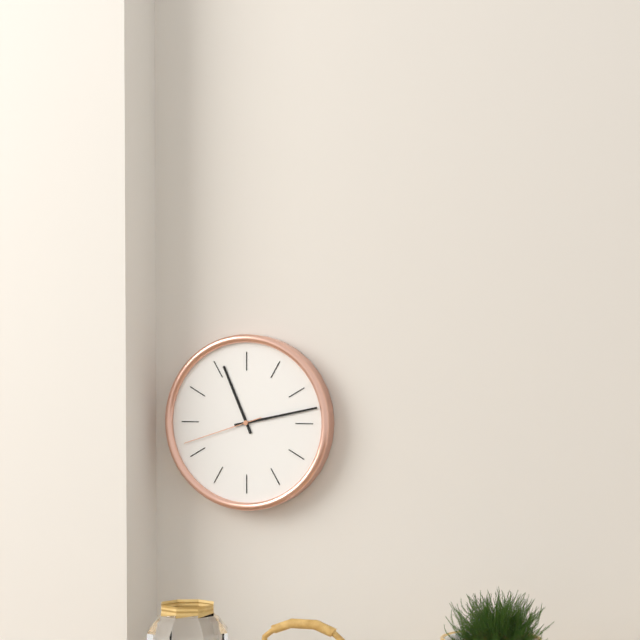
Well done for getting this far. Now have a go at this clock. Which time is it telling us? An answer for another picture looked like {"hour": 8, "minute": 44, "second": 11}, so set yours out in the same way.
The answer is {"hour": 11, "minute": 13, "second": 42}
